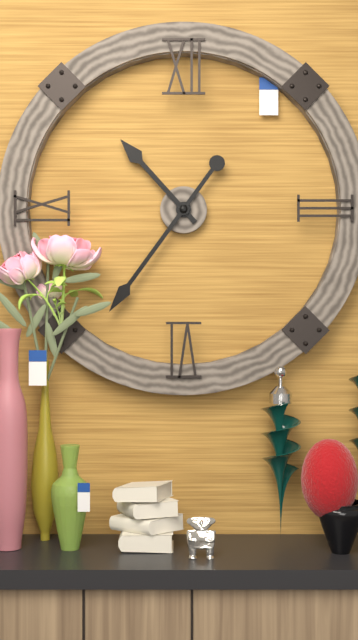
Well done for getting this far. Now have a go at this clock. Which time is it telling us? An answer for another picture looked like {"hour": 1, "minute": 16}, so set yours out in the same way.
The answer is {"hour": 10, "minute": 36}
